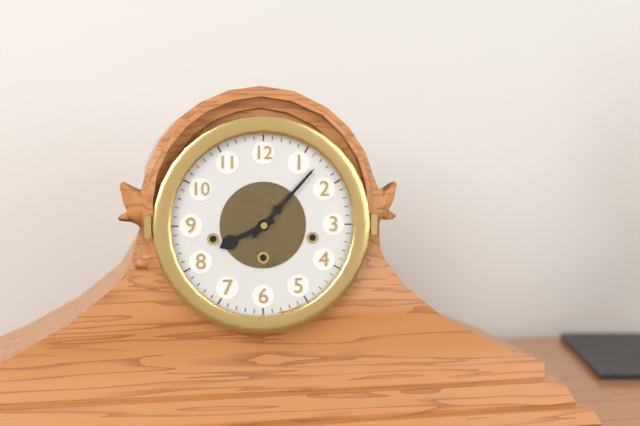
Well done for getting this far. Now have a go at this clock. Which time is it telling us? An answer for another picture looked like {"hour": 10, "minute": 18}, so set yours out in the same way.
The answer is {"hour": 8, "minute": 7}
